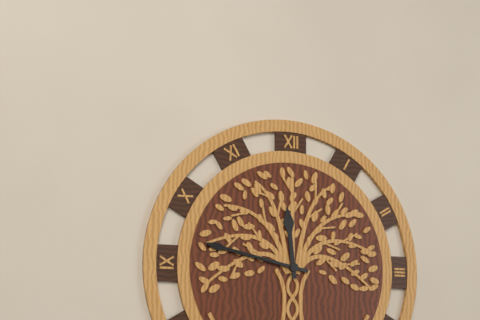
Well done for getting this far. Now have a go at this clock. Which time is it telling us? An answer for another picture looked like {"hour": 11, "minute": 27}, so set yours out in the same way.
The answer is {"hour": 11, "minute": 47}
